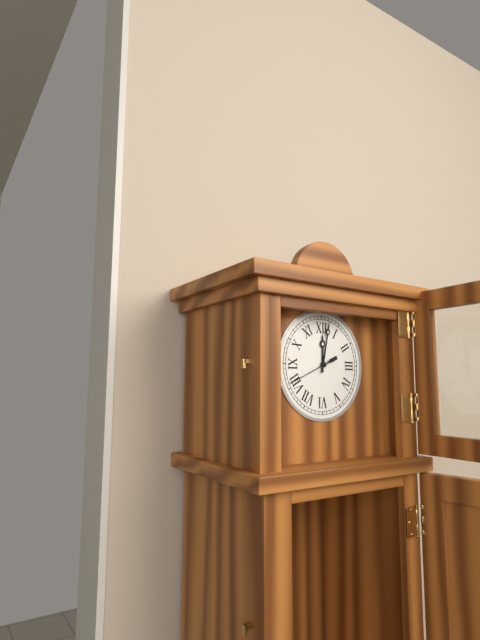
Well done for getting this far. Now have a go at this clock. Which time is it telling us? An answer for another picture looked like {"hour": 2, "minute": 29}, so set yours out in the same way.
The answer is {"hour": 12, "minute": 2}
